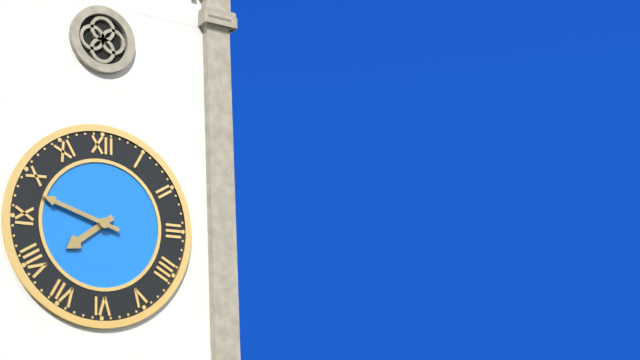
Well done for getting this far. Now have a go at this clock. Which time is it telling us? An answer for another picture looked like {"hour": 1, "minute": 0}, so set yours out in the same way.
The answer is {"hour": 7, "minute": 48}
